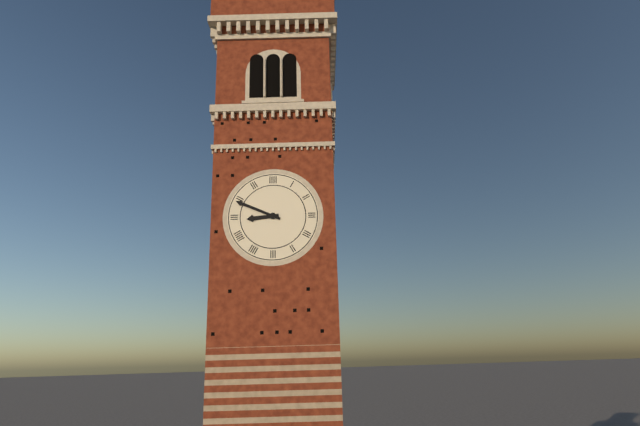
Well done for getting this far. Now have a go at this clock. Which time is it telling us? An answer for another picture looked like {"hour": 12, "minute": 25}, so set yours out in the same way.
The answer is {"hour": 8, "minute": 49}
